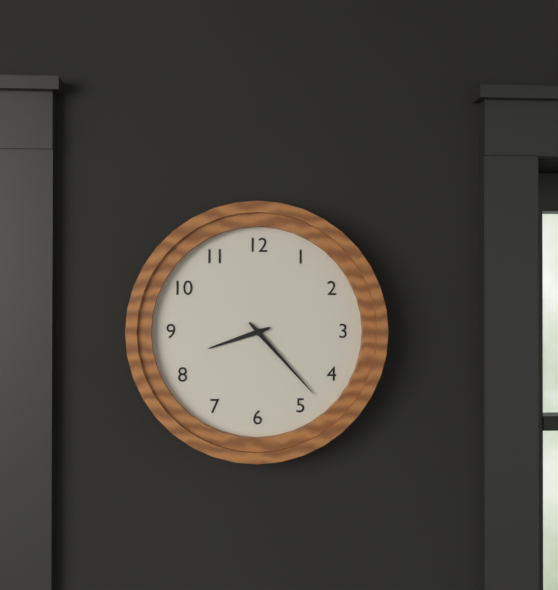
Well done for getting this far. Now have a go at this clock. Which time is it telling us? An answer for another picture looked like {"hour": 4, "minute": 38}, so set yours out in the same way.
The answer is {"hour": 8, "minute": 23}
